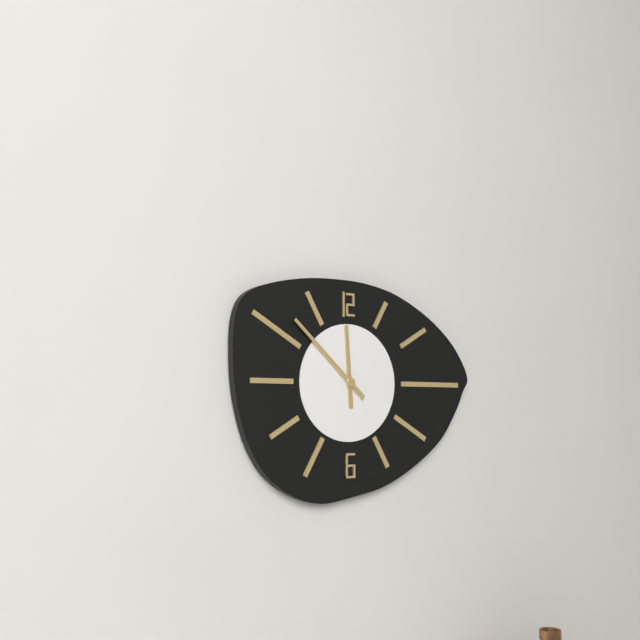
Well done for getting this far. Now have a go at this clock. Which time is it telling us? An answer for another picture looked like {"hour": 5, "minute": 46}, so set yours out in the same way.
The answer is {"hour": 11, "minute": 52}
